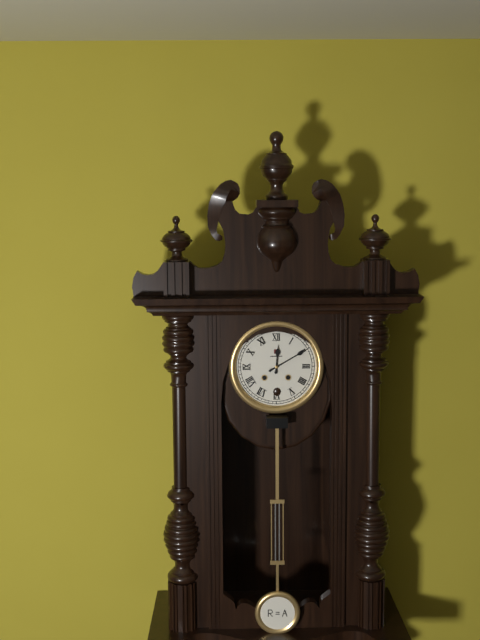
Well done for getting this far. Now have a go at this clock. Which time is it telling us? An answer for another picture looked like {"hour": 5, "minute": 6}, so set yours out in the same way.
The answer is {"hour": 12, "minute": 10}
